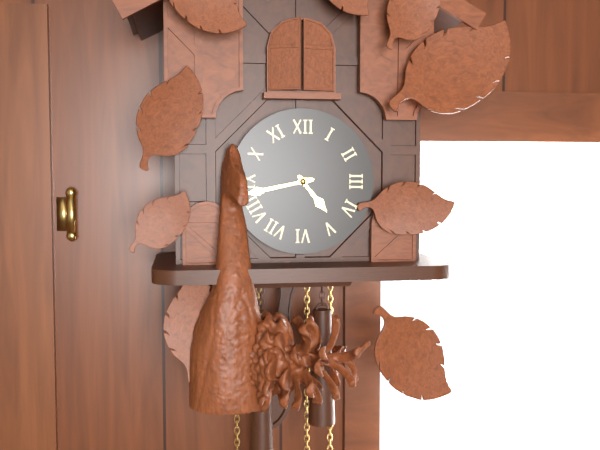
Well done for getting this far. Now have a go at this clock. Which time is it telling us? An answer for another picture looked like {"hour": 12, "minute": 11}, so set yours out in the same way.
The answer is {"hour": 4, "minute": 43}
